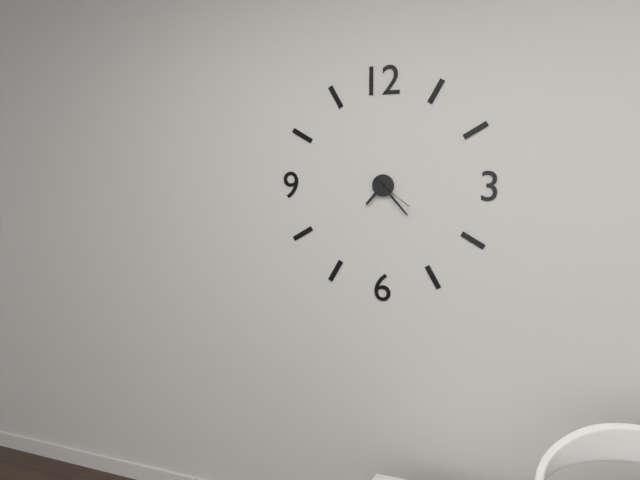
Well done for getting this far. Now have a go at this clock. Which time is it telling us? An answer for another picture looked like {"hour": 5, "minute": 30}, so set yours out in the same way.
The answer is {"hour": 7, "minute": 23}
